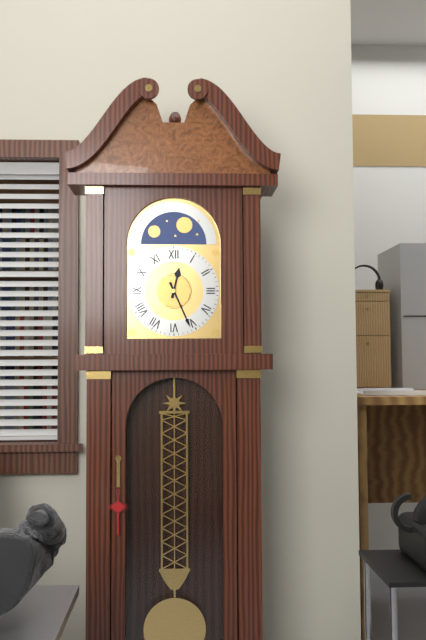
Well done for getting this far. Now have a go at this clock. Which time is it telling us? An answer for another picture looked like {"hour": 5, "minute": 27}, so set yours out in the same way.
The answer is {"hour": 12, "minute": 26}
